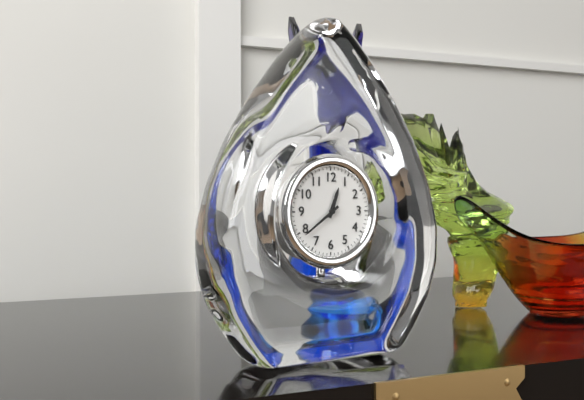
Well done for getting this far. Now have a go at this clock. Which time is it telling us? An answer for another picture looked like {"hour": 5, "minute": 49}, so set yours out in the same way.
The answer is {"hour": 12, "minute": 39}
